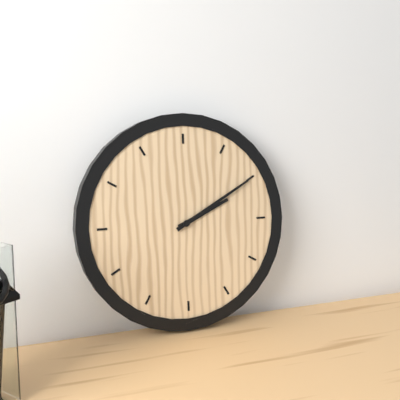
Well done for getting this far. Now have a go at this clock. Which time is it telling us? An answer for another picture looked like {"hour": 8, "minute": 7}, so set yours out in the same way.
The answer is {"hour": 2, "minute": 10}
